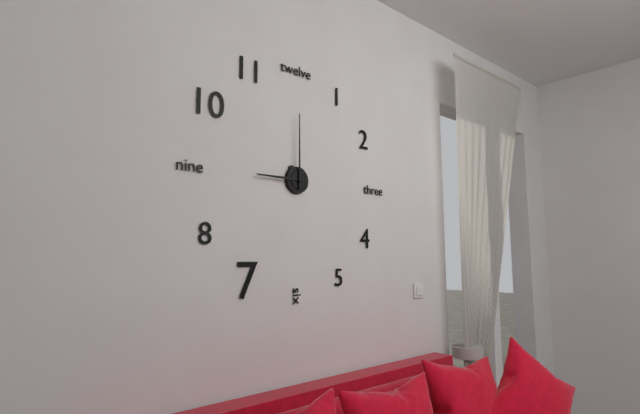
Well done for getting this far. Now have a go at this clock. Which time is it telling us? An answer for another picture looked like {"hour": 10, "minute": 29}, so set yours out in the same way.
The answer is {"hour": 9, "minute": 0}
